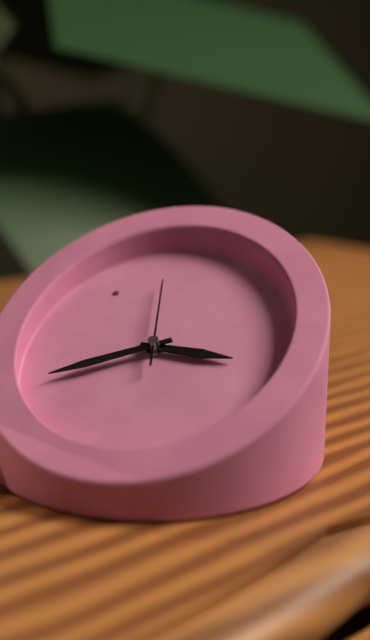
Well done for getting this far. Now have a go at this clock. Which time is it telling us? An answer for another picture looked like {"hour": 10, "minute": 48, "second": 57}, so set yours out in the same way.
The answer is {"hour": 5, "minute": 54, "second": 12}
